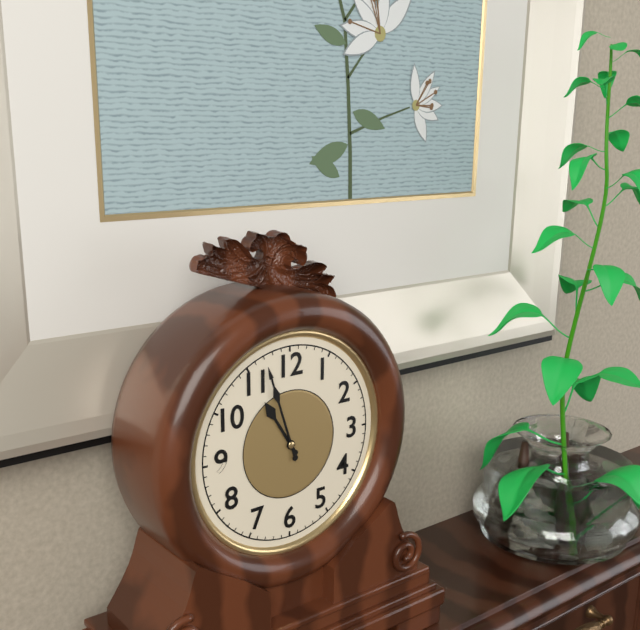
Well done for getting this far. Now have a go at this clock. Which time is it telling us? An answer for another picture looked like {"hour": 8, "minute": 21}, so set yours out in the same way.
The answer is {"hour": 10, "minute": 57}
